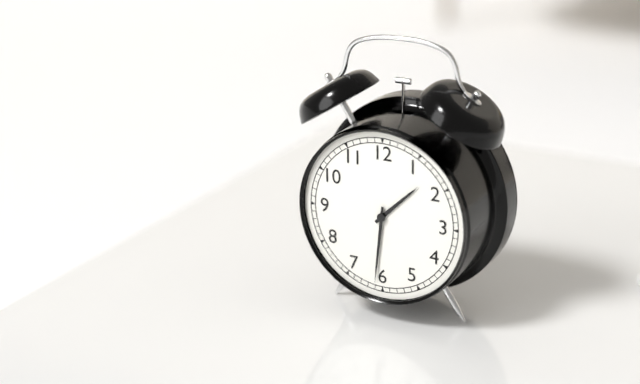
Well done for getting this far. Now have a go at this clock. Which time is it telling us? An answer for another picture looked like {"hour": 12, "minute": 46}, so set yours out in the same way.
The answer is {"hour": 1, "minute": 31}
